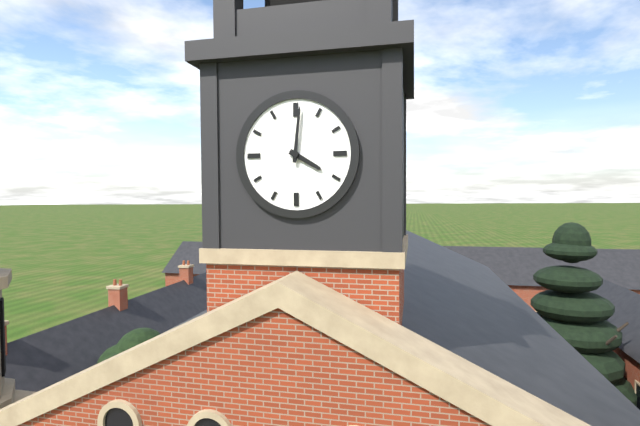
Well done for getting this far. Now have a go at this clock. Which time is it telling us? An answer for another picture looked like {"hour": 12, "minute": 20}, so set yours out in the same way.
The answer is {"hour": 4, "minute": 1}
